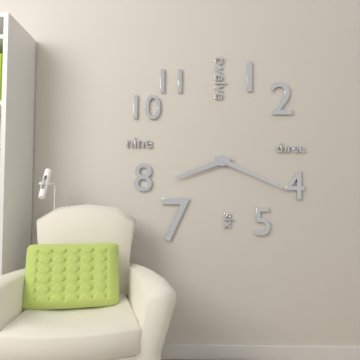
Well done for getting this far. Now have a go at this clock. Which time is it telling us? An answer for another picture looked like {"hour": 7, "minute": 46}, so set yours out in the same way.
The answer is {"hour": 8, "minute": 19}
